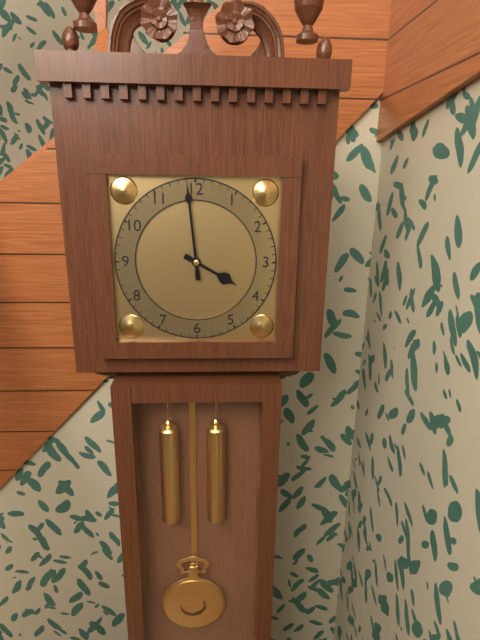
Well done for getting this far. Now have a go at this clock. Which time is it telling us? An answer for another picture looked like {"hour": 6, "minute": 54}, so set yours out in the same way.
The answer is {"hour": 3, "minute": 59}
